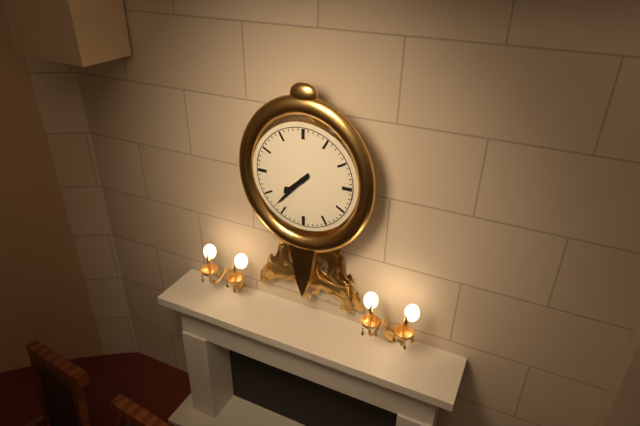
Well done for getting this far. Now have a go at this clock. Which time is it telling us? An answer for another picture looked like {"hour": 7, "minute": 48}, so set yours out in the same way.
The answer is {"hour": 7, "minute": 37}
